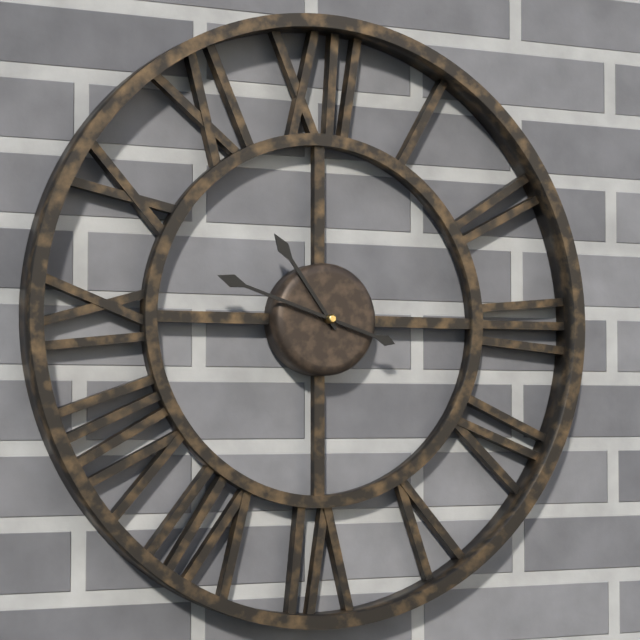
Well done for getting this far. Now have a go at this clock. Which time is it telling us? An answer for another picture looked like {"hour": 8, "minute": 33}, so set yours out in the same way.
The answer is {"hour": 10, "minute": 48}
